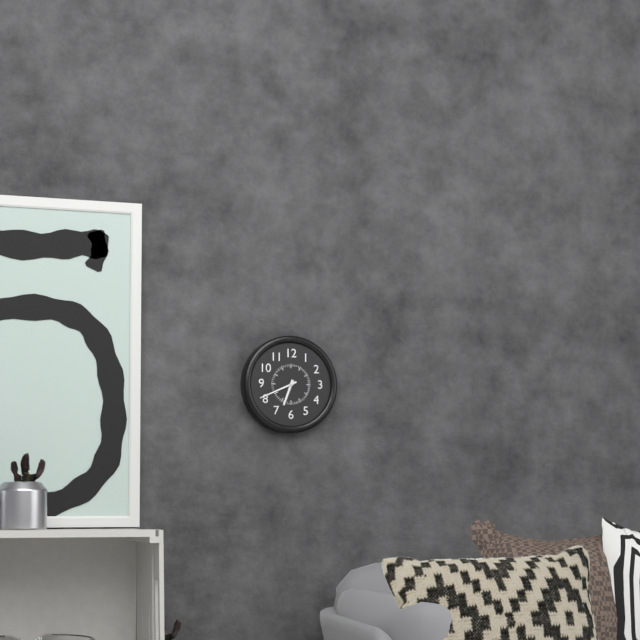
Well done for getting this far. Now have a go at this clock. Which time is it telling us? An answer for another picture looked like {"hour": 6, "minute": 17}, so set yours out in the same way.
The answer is {"hour": 6, "minute": 41}
